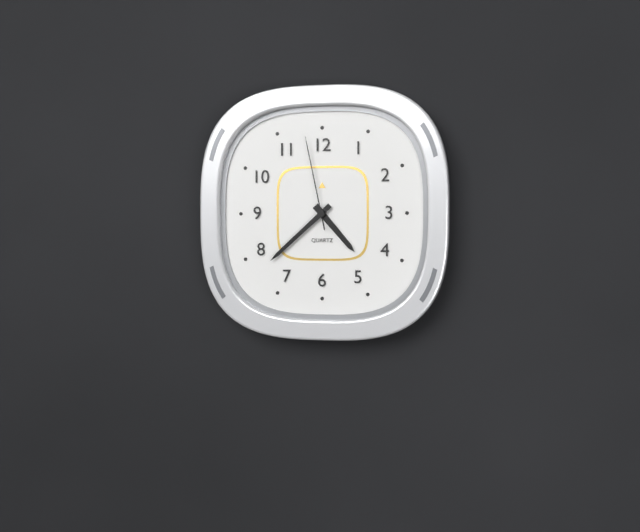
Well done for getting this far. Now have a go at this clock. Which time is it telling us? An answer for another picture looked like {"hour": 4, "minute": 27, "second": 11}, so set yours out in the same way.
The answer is {"hour": 4, "minute": 38, "second": 58}
